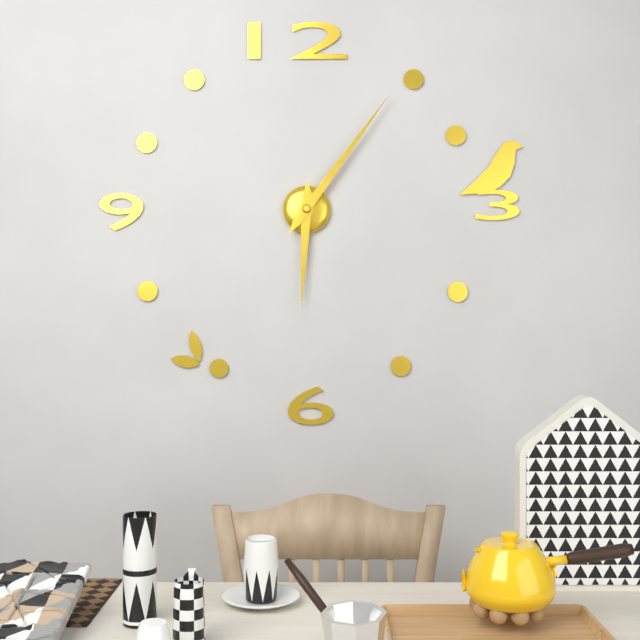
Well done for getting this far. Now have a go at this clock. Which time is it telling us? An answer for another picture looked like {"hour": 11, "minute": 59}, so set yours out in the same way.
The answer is {"hour": 6, "minute": 6}
